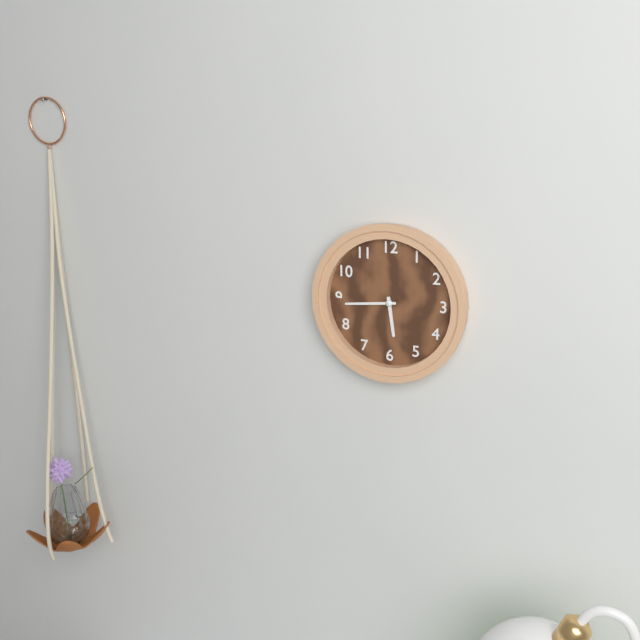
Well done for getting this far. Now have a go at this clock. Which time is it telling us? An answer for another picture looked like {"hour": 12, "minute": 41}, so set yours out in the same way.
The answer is {"hour": 5, "minute": 44}
